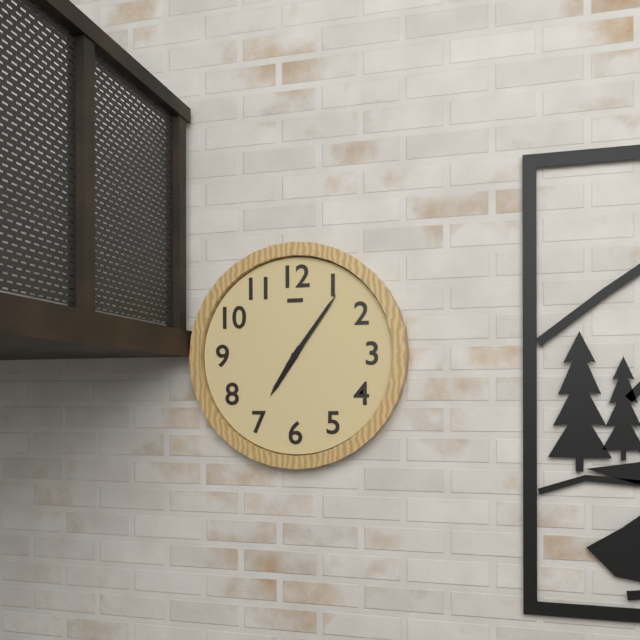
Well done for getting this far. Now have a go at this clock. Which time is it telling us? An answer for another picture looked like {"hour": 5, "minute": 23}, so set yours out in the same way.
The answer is {"hour": 7, "minute": 6}
